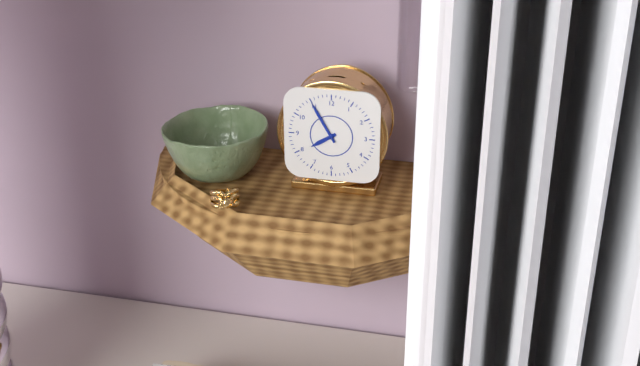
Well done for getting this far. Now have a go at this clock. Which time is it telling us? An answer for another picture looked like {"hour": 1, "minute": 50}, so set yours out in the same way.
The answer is {"hour": 7, "minute": 55}
